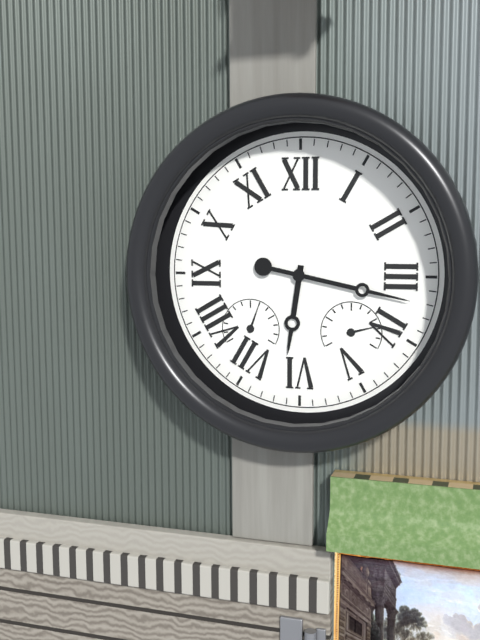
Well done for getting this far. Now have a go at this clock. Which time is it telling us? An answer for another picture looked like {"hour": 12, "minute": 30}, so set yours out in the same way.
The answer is {"hour": 6, "minute": 17}
